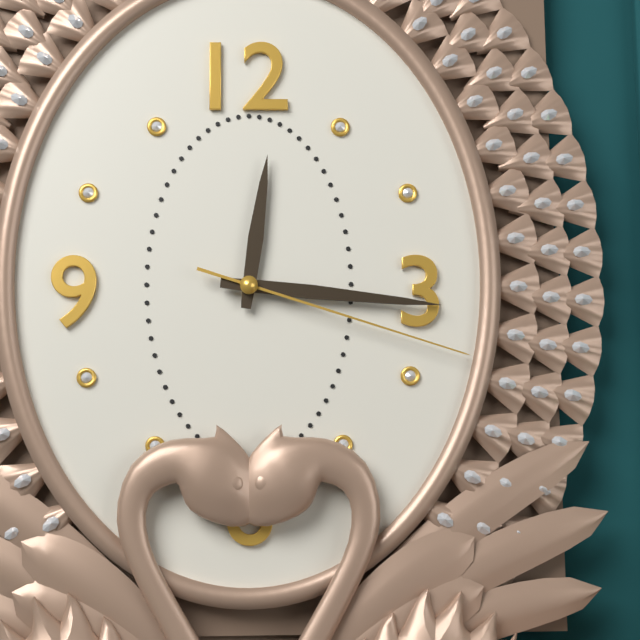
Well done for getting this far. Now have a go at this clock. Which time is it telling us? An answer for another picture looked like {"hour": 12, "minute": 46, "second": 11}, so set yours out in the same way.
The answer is {"hour": 12, "minute": 16, "second": 18}
